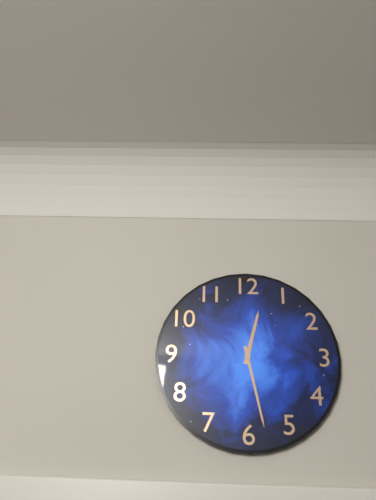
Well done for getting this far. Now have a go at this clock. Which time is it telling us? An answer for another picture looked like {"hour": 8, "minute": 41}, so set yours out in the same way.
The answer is {"hour": 12, "minute": 28}
